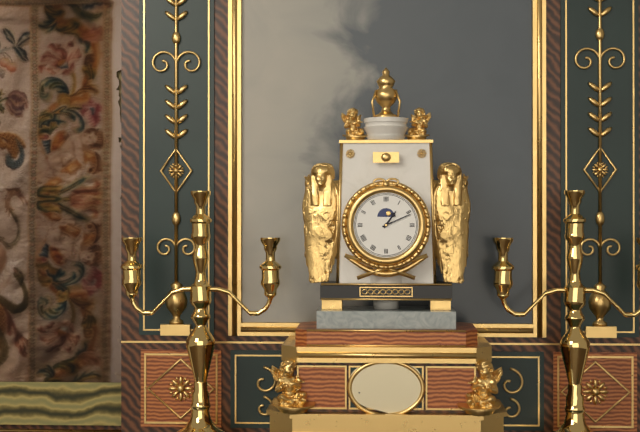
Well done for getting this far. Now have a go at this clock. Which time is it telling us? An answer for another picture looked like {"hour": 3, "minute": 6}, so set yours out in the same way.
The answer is {"hour": 1, "minute": 11}
